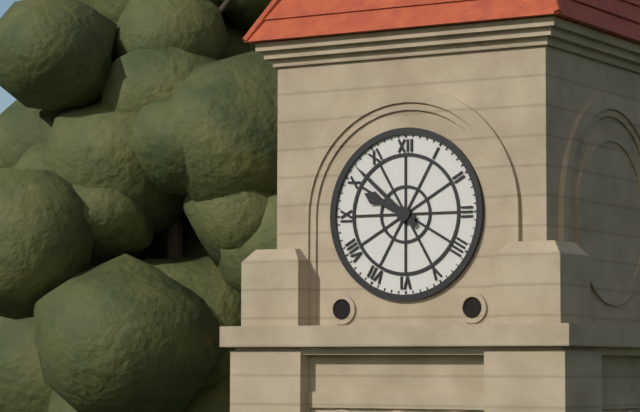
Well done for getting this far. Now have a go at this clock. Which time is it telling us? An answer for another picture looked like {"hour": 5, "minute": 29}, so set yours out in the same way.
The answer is {"hour": 9, "minute": 52}
